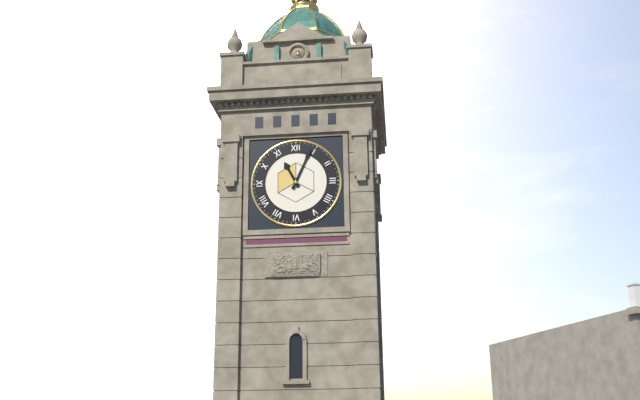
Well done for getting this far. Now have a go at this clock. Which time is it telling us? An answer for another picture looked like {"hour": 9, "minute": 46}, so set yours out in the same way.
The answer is {"hour": 11, "minute": 4}
